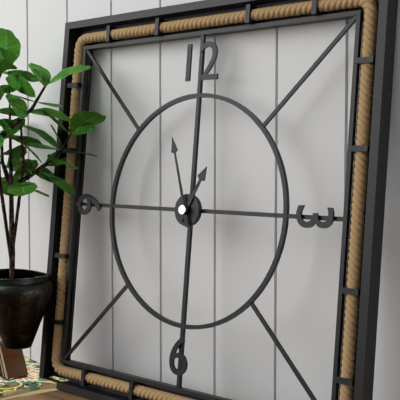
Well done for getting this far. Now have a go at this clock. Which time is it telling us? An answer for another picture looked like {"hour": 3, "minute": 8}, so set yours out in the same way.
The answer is {"hour": 12, "minute": 57}
